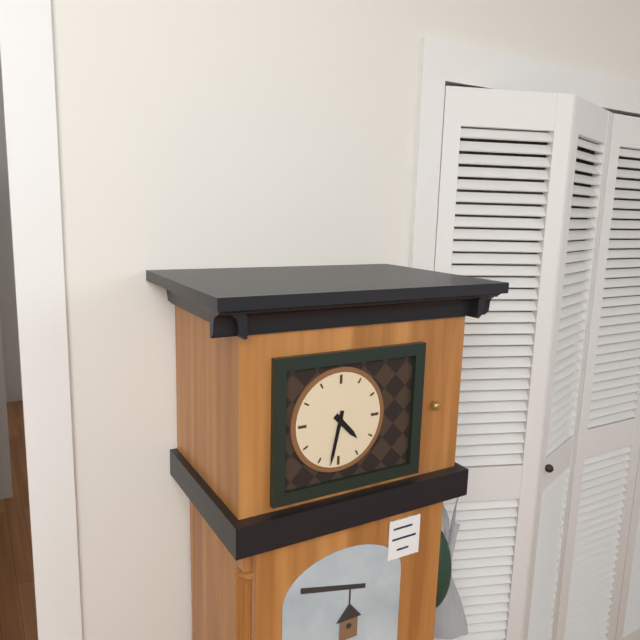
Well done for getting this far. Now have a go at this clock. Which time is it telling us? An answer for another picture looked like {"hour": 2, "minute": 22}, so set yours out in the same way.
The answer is {"hour": 4, "minute": 32}
